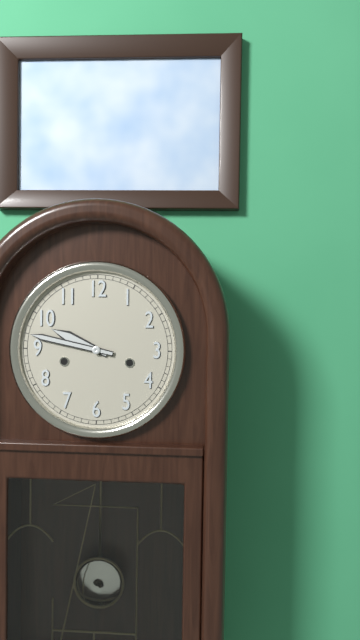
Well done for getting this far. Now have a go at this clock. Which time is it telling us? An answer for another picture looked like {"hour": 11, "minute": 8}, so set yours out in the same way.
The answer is {"hour": 9, "minute": 47}
